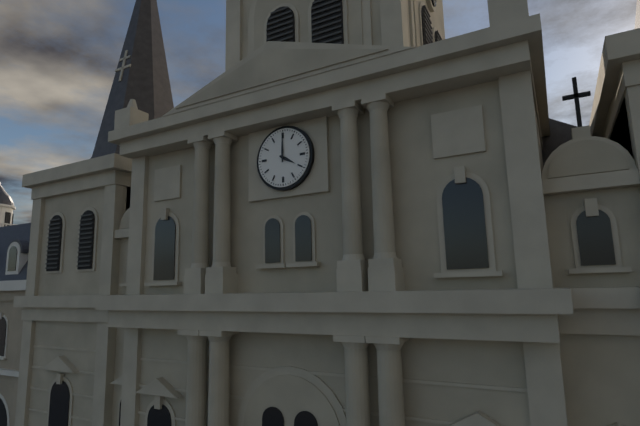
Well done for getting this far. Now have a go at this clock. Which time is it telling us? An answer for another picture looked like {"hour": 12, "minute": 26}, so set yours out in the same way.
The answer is {"hour": 4, "minute": 0}
